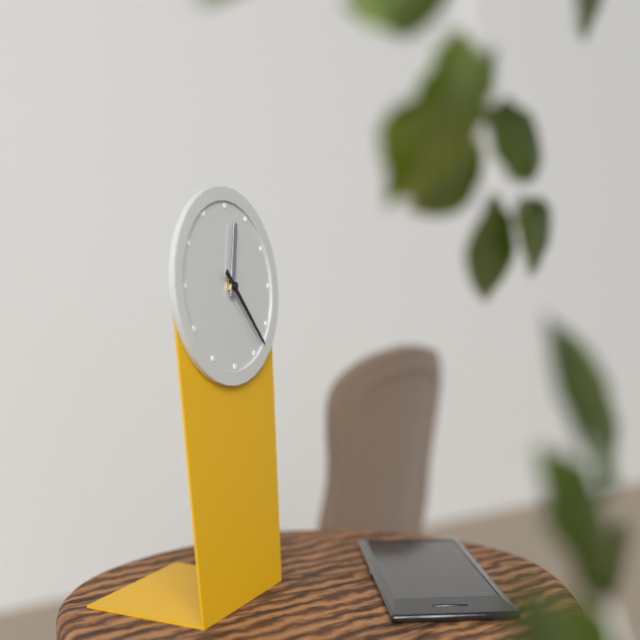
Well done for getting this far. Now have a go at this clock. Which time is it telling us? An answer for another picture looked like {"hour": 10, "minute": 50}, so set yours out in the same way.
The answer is {"hour": 12, "minute": 23}
